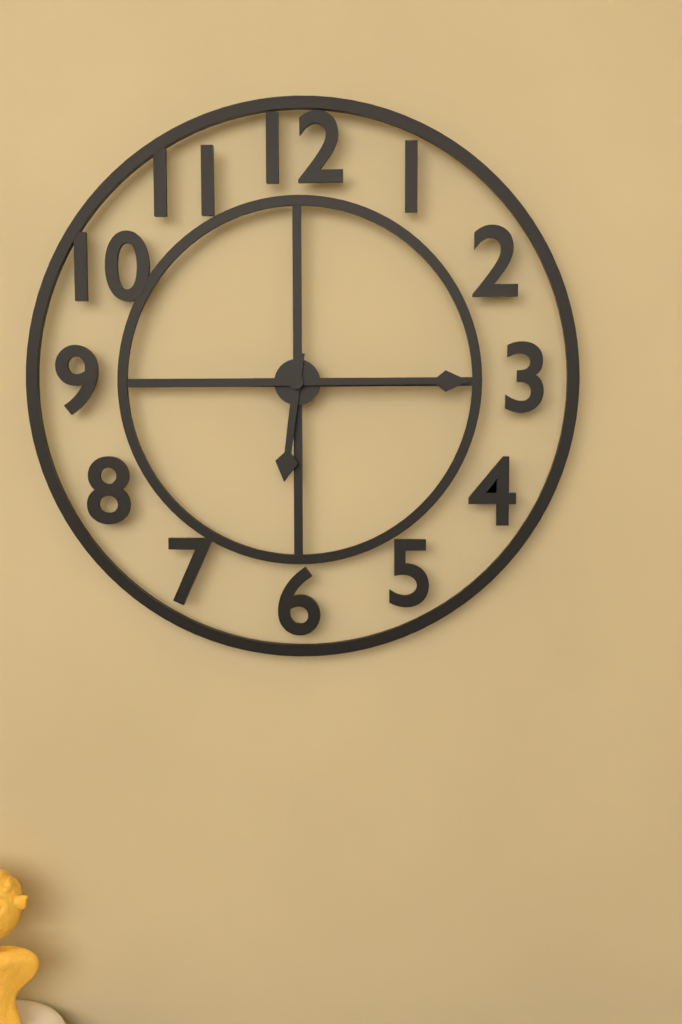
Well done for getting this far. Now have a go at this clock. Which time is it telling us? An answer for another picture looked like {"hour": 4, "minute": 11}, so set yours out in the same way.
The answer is {"hour": 6, "minute": 15}
